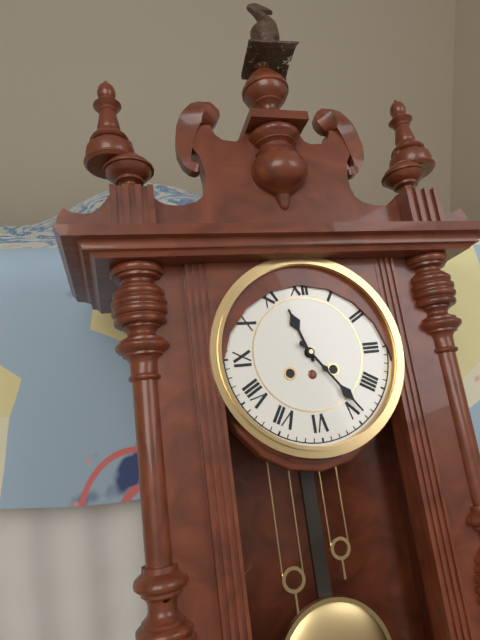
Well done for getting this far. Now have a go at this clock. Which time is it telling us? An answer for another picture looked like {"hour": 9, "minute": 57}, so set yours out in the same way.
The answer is {"hour": 11, "minute": 24}
